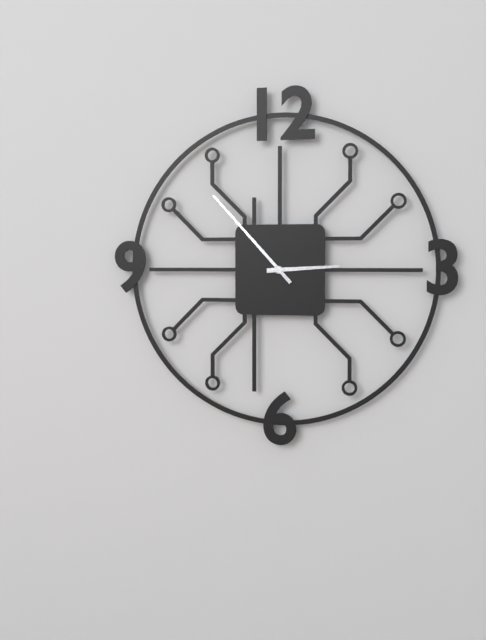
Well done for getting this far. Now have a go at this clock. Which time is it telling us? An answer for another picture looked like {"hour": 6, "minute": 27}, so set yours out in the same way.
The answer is {"hour": 2, "minute": 53}
